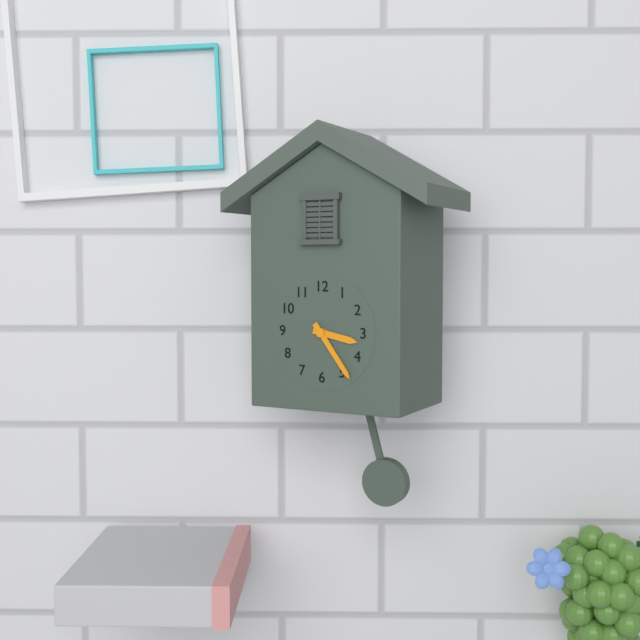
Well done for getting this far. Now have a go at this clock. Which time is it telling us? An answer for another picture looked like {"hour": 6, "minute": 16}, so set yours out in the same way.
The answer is {"hour": 3, "minute": 24}
